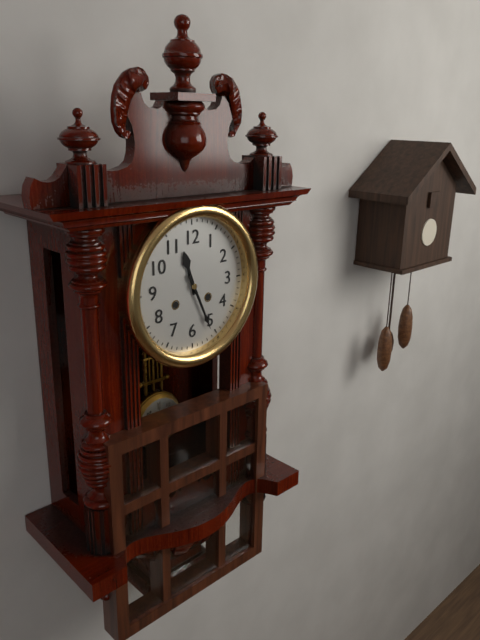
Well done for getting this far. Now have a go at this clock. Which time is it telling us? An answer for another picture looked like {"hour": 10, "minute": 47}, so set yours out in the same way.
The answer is {"hour": 11, "minute": 26}
